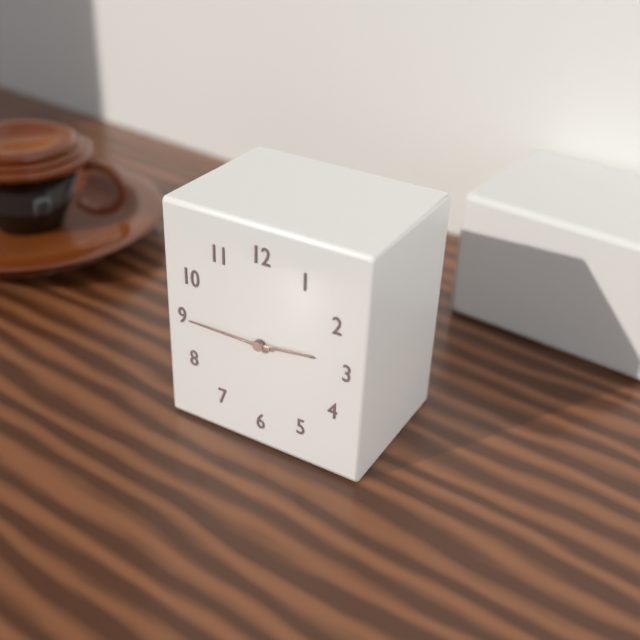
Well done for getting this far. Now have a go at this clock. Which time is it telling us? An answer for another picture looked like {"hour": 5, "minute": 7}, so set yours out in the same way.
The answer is {"hour": 2, "minute": 45}
